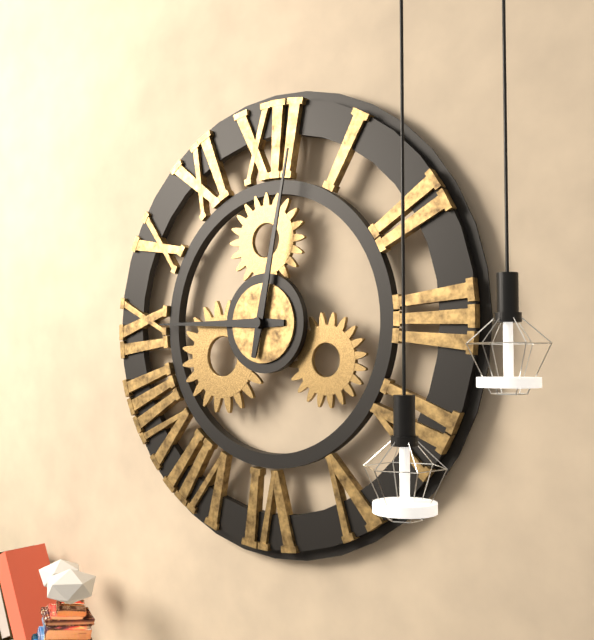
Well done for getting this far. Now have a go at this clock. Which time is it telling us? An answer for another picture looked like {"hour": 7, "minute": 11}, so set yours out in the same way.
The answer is {"hour": 9, "minute": 2}
